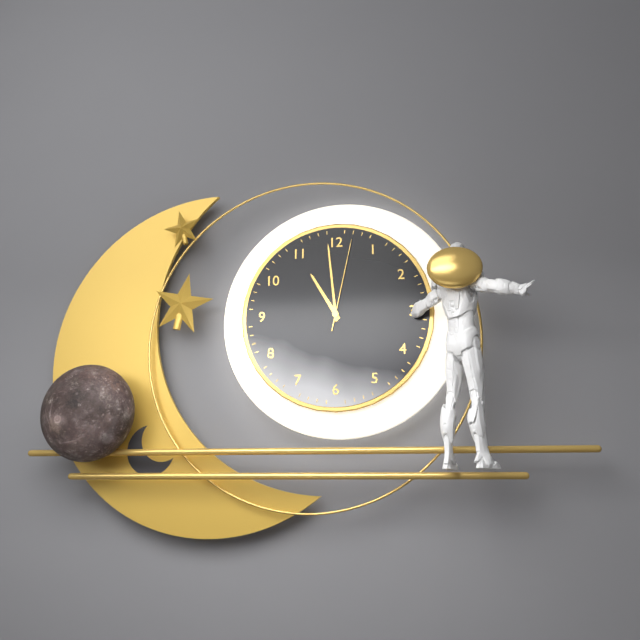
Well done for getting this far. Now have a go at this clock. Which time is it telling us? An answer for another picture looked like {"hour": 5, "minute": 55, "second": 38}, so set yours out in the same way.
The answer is {"hour": 10, "minute": 59, "second": 2}
